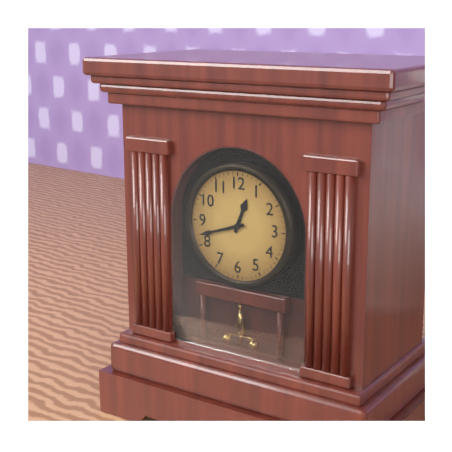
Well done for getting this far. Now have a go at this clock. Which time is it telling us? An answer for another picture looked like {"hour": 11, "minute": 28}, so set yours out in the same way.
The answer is {"hour": 12, "minute": 42}
